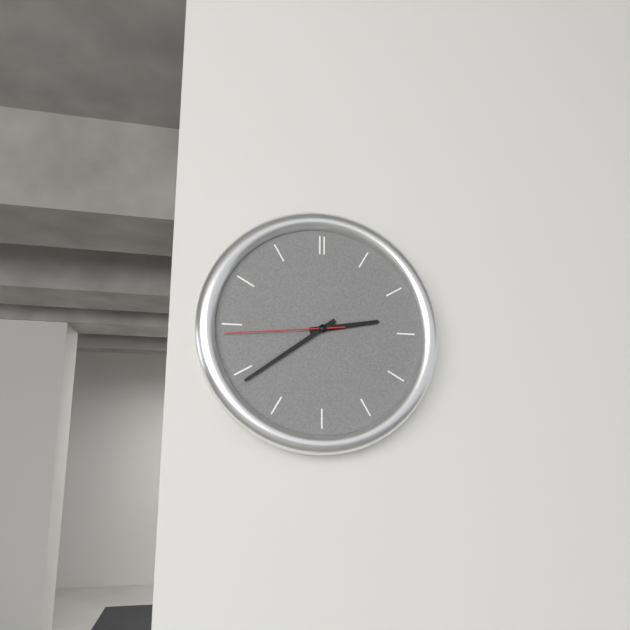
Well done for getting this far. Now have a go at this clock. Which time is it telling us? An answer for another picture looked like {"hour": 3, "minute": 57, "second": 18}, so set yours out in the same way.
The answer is {"hour": 2, "minute": 39, "second": 44}
